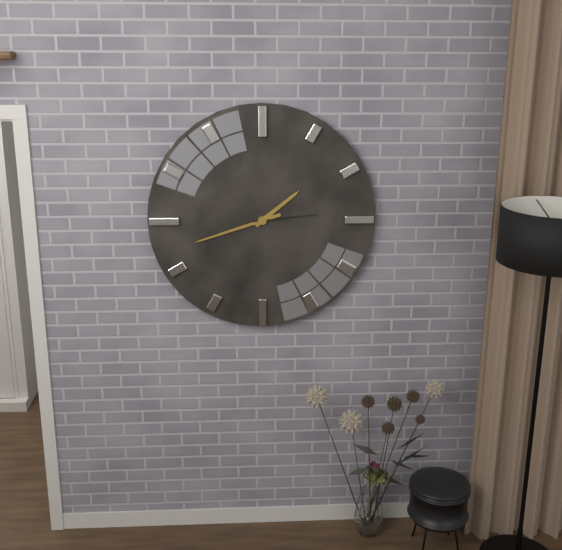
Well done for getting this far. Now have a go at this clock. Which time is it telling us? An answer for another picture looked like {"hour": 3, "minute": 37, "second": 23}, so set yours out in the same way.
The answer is {"hour": 1, "minute": 42, "second": 14}
